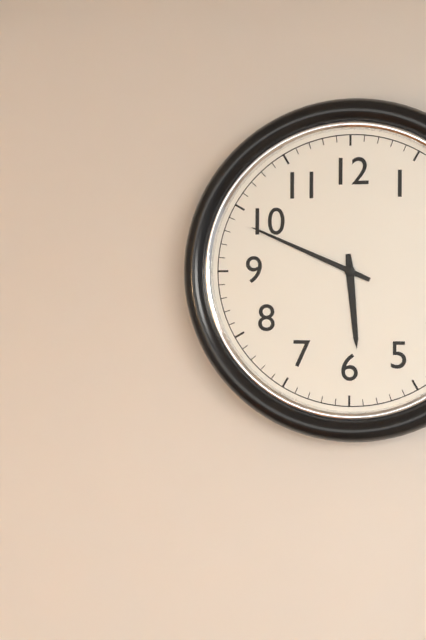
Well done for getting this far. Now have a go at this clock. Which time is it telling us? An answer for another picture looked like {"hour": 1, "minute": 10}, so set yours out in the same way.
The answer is {"hour": 5, "minute": 49}
